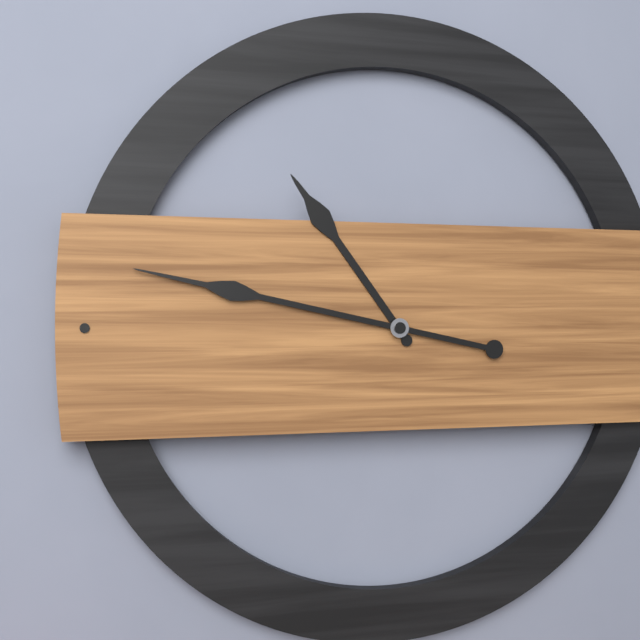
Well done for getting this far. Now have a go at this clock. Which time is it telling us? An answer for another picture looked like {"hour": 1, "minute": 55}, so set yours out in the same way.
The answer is {"hour": 10, "minute": 47}
